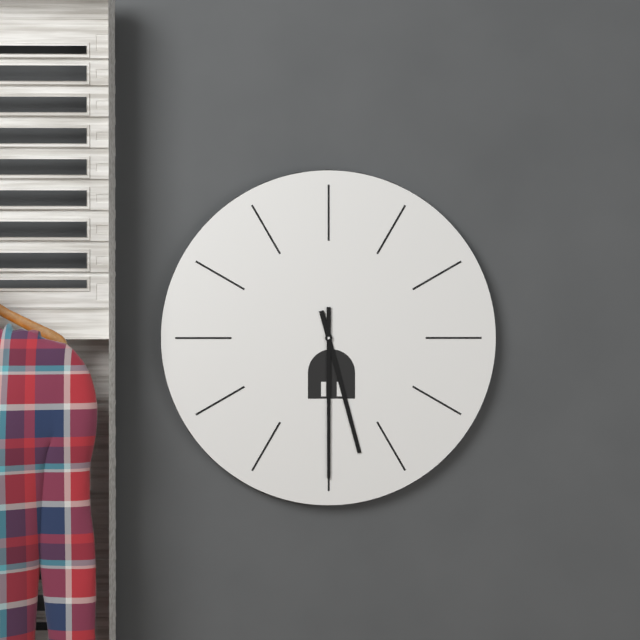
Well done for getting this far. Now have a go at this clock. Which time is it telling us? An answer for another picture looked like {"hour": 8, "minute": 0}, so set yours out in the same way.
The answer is {"hour": 5, "minute": 30}
